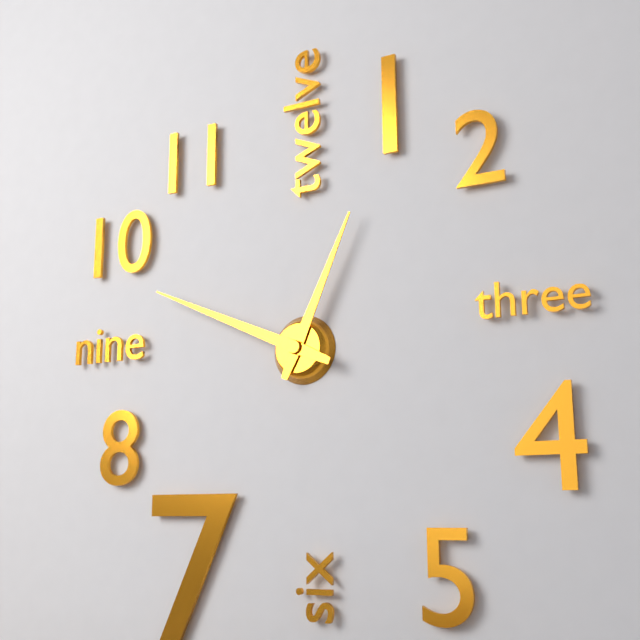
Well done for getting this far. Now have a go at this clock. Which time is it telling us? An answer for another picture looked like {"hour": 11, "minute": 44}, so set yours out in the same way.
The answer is {"hour": 12, "minute": 49}
